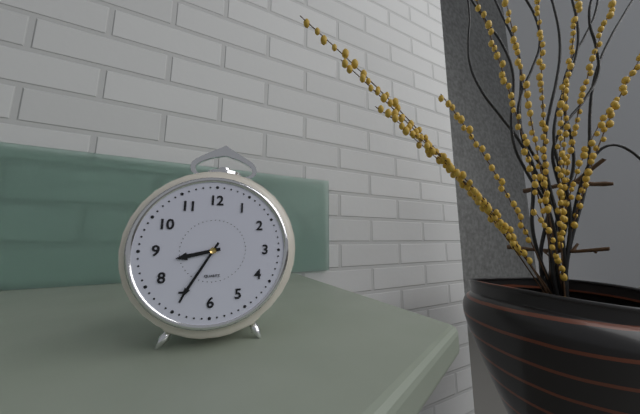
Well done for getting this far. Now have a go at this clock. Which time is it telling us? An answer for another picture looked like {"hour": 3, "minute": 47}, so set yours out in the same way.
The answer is {"hour": 8, "minute": 35}
